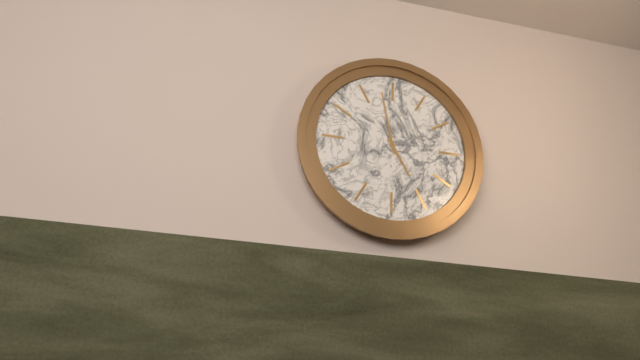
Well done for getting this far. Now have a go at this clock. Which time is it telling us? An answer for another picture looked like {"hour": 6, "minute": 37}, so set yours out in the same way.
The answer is {"hour": 4, "minute": 58}
